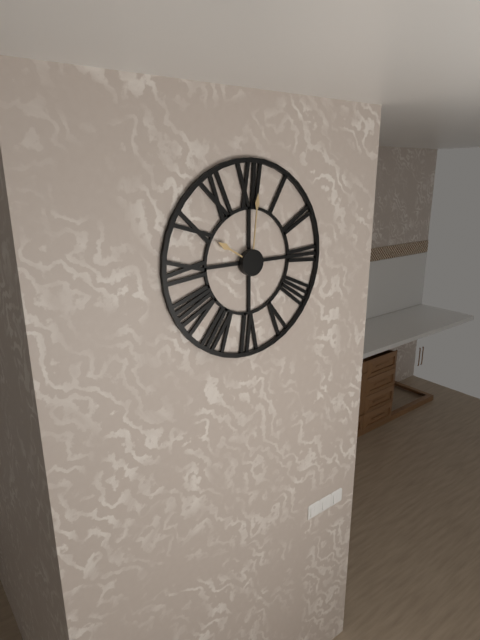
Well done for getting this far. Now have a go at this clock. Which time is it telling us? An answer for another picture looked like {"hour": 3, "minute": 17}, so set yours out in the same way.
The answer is {"hour": 10, "minute": 1}
